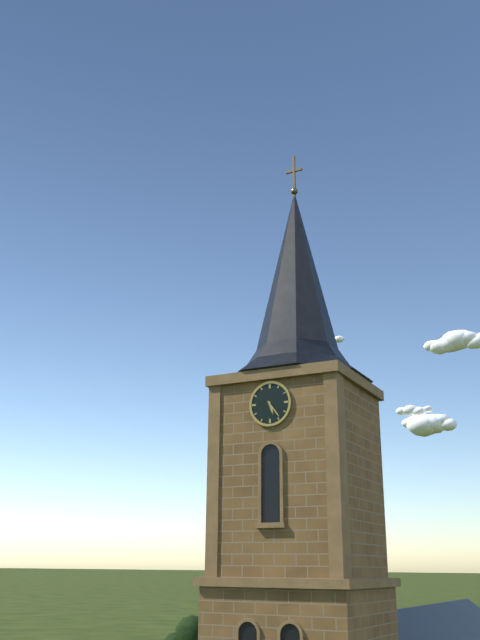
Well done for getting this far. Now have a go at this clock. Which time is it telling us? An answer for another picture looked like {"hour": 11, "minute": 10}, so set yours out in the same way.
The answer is {"hour": 5, "minute": 24}
